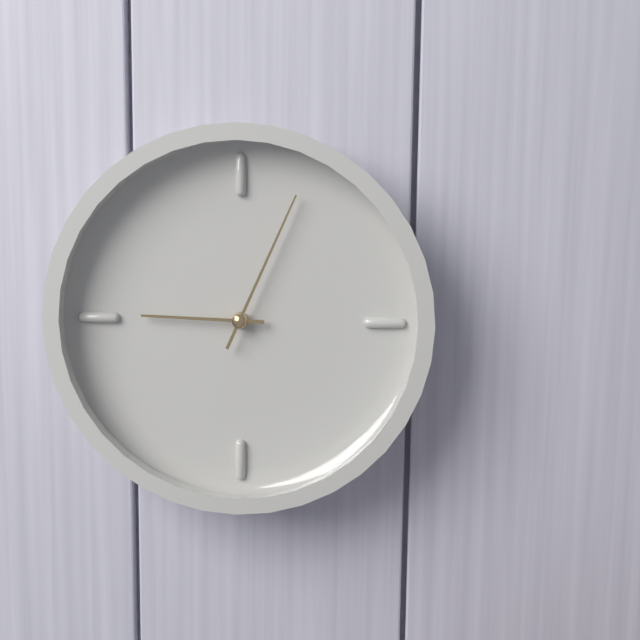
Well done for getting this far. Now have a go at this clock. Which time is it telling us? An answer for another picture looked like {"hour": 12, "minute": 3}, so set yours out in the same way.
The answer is {"hour": 9, "minute": 4}
